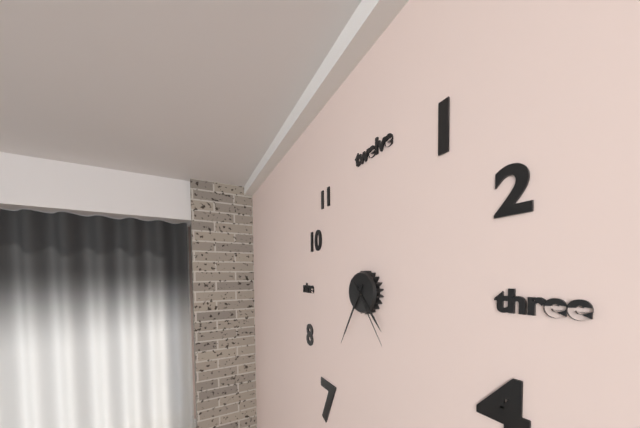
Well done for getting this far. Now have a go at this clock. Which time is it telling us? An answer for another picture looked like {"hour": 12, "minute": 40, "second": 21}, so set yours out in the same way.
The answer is {"hour": 4, "minute": 35, "second": 24}
